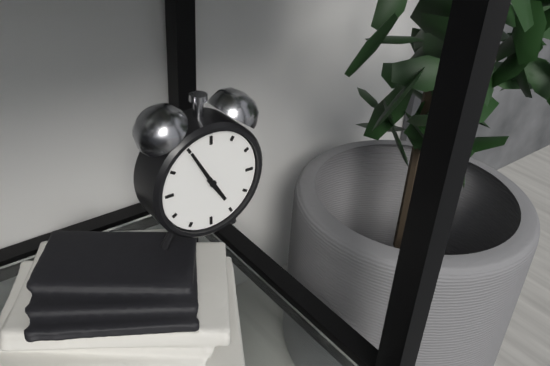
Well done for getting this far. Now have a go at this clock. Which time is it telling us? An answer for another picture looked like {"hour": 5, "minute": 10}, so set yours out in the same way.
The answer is {"hour": 4, "minute": 55}
